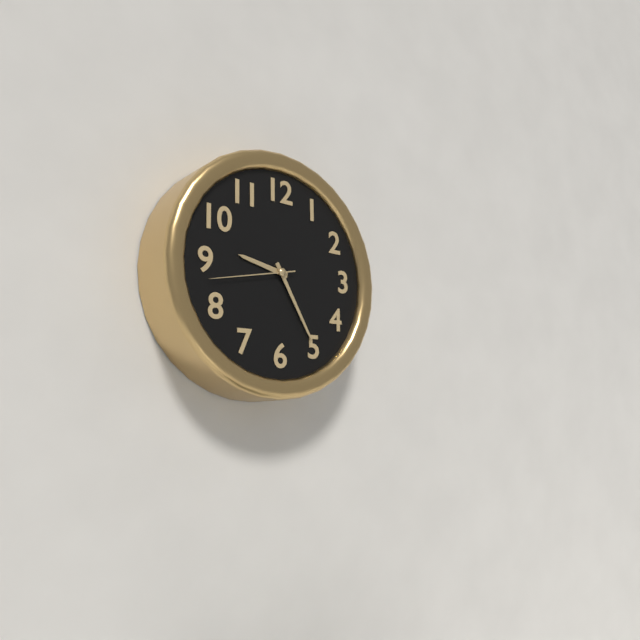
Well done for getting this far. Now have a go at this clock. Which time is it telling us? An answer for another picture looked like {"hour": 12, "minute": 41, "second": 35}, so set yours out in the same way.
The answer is {"hour": 9, "minute": 25, "second": 43}
